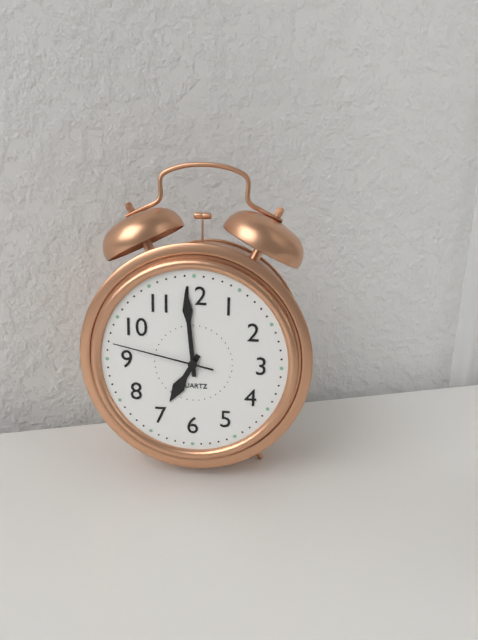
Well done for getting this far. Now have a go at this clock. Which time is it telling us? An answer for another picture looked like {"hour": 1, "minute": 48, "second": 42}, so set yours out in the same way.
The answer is {"hour": 6, "minute": 59, "second": 47}
